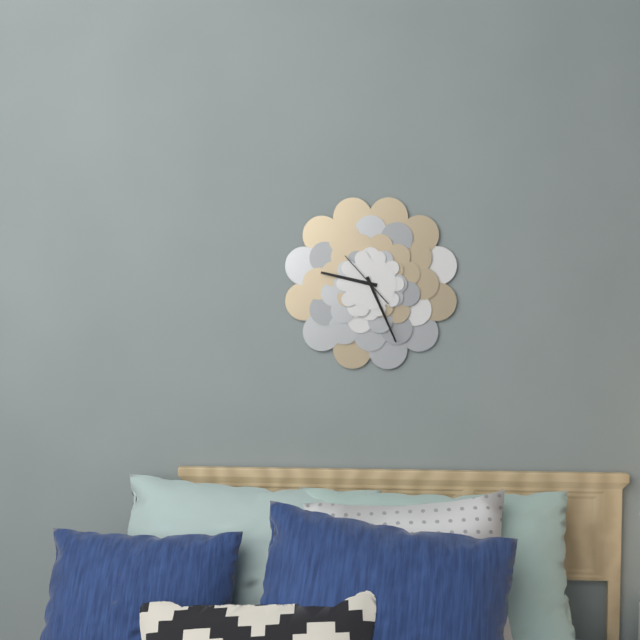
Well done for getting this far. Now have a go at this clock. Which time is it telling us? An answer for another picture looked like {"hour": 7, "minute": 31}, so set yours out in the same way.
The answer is {"hour": 9, "minute": 26}
